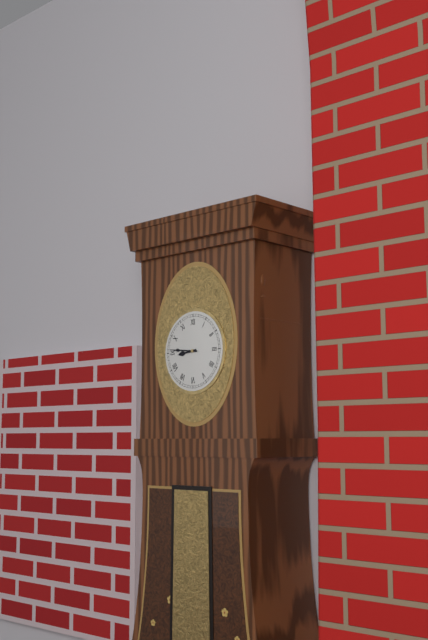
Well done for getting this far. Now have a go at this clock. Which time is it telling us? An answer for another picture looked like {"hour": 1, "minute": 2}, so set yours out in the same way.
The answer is {"hour": 8, "minute": 46}
